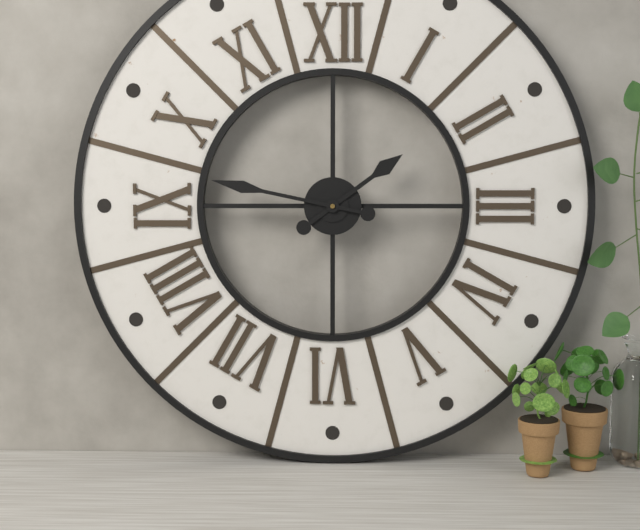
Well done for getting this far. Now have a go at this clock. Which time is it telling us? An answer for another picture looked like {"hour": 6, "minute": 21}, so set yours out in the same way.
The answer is {"hour": 1, "minute": 47}
